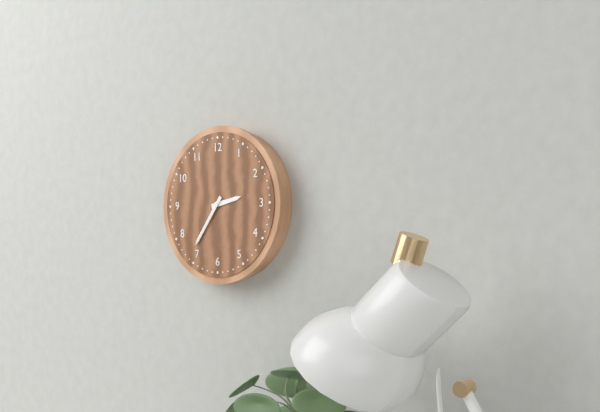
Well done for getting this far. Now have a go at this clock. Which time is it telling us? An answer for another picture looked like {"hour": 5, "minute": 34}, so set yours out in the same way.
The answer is {"hour": 2, "minute": 36}
